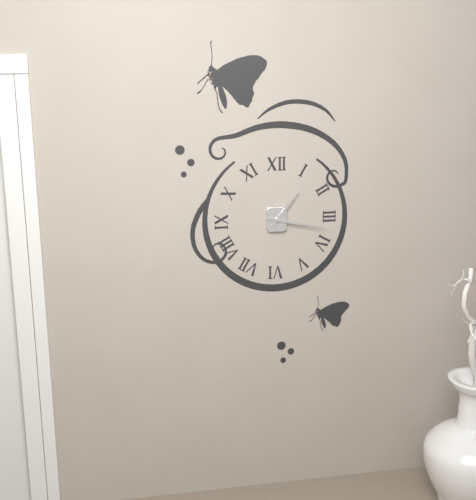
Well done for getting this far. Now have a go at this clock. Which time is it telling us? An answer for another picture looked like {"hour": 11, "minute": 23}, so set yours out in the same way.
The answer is {"hour": 1, "minute": 17}
